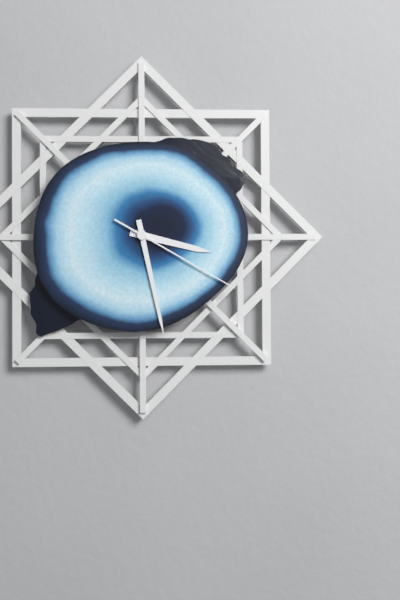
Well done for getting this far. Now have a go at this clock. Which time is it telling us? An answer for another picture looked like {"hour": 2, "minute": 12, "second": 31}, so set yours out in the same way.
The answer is {"hour": 3, "minute": 28, "second": 20}
